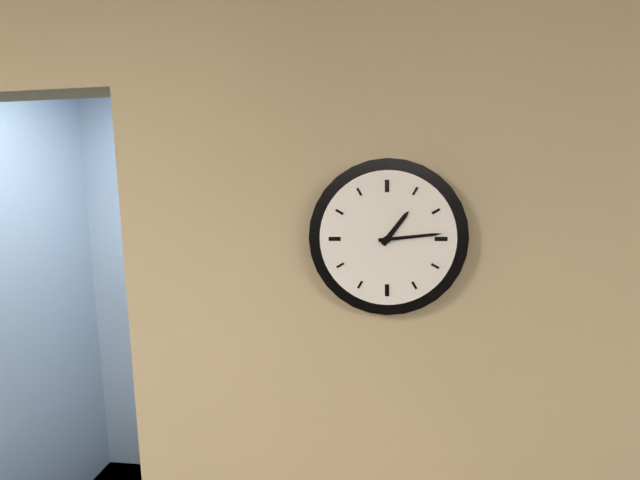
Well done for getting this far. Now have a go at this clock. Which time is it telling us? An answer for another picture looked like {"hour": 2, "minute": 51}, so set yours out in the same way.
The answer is {"hour": 1, "minute": 14}
